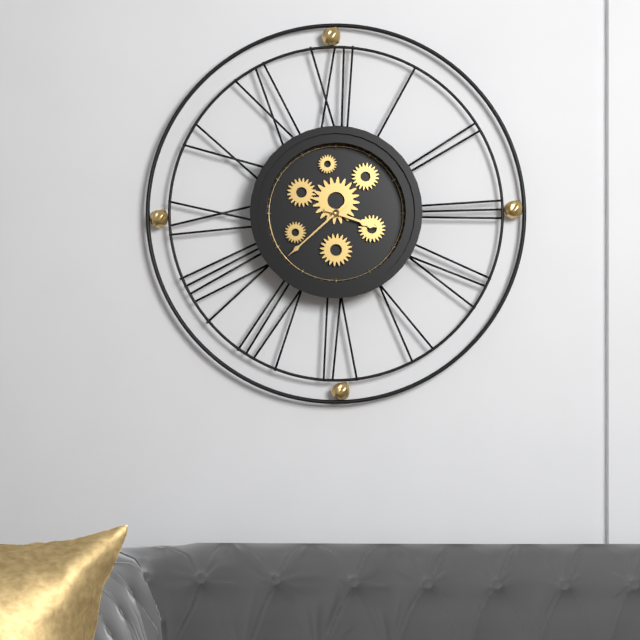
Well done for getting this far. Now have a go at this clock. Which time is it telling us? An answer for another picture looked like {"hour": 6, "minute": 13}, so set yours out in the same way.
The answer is {"hour": 3, "minute": 38}
